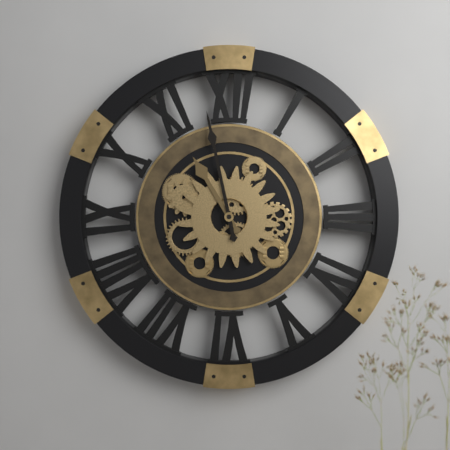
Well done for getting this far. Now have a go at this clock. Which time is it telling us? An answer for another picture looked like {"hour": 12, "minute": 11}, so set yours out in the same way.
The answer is {"hour": 10, "minute": 58}
